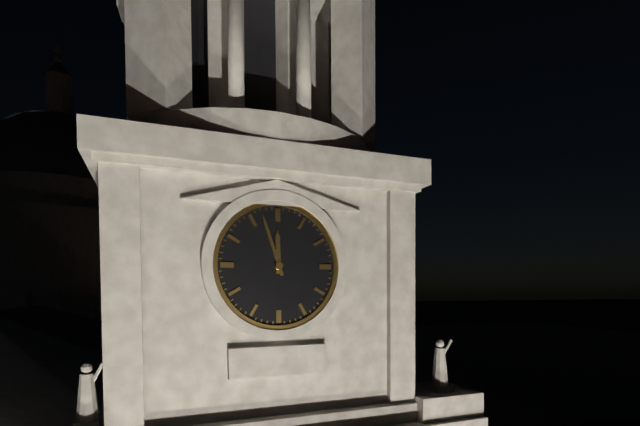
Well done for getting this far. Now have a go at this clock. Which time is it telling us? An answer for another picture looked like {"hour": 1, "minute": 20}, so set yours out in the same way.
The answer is {"hour": 11, "minute": 57}
